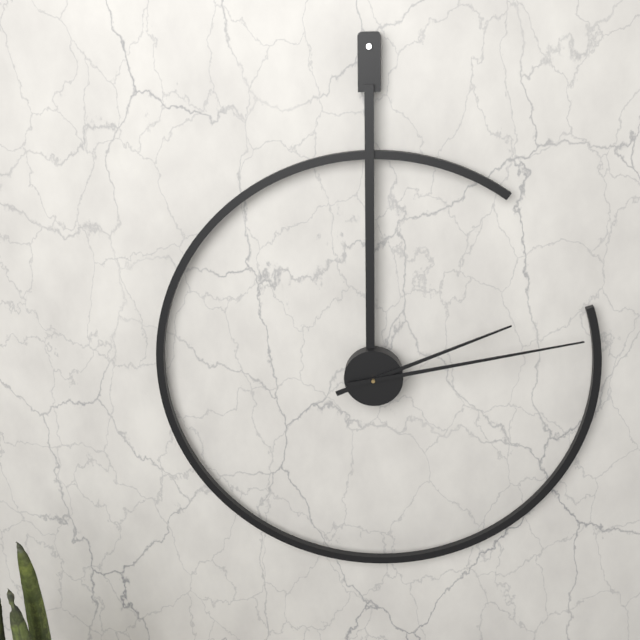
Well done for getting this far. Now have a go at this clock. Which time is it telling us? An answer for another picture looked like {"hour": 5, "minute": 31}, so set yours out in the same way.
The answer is {"hour": 2, "minute": 13}
